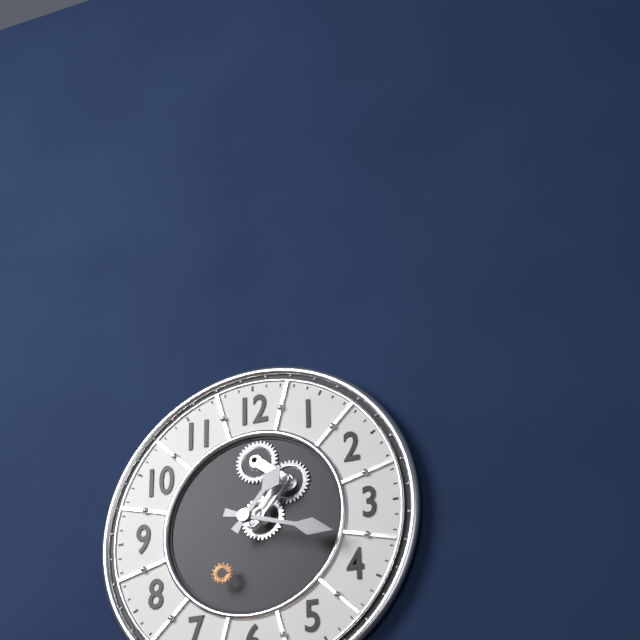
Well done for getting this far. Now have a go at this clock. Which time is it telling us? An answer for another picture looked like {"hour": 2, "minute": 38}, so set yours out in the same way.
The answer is {"hour": 1, "minute": 18}
